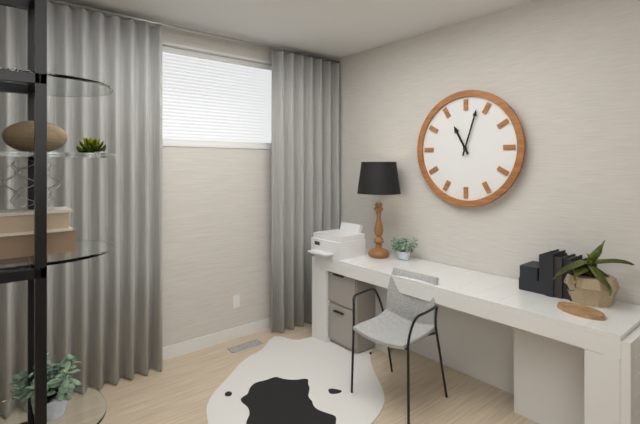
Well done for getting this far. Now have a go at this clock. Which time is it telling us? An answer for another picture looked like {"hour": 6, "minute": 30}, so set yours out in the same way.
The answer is {"hour": 11, "minute": 3}
